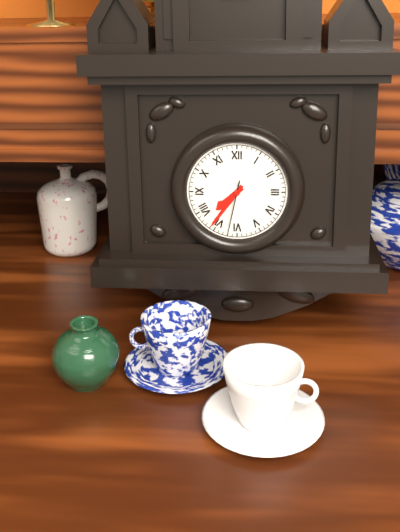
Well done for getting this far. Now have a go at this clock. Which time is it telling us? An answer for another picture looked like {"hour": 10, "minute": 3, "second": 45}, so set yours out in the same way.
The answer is {"hour": 7, "minute": 36, "second": 32}
